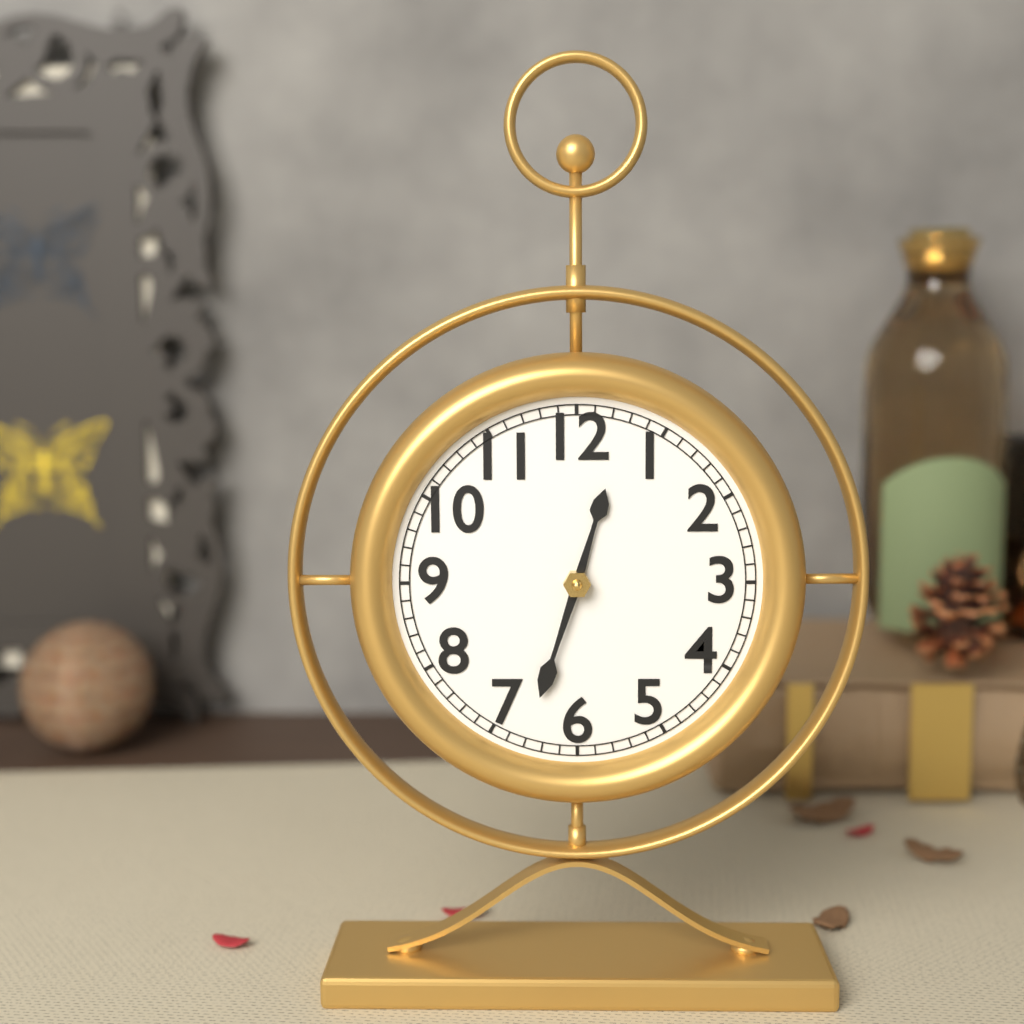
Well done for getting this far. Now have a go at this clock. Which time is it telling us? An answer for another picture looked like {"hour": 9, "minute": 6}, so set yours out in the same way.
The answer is {"hour": 12, "minute": 33}
